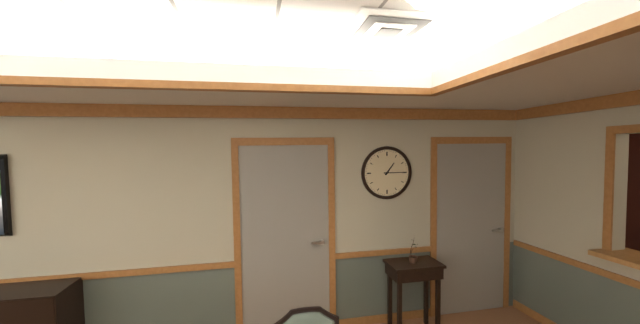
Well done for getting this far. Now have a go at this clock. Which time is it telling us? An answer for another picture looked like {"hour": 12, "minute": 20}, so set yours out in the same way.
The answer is {"hour": 1, "minute": 15}
